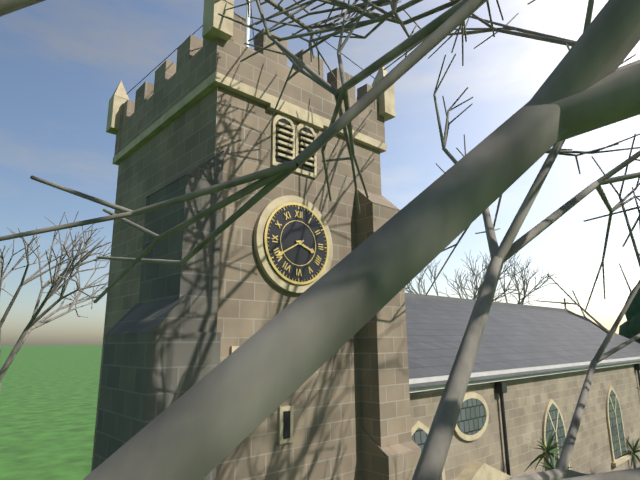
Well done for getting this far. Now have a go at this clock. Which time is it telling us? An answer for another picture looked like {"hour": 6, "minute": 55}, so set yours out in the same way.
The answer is {"hour": 3, "minute": 40}
